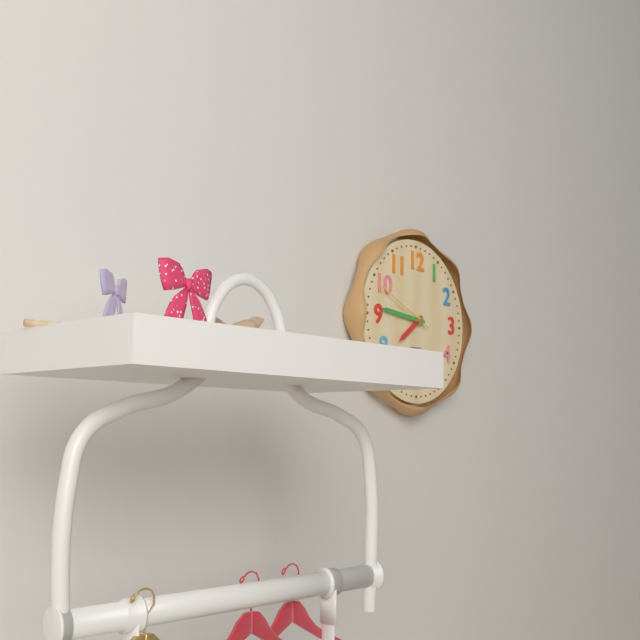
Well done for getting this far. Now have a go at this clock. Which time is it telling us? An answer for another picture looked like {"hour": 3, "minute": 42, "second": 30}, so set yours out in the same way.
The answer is {"hour": 7, "minute": 46, "second": 49}
